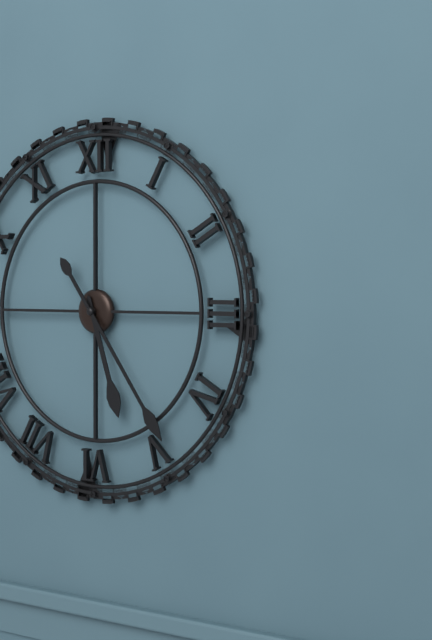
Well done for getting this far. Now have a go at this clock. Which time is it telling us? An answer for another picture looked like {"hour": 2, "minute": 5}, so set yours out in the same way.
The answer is {"hour": 5, "minute": 24}
